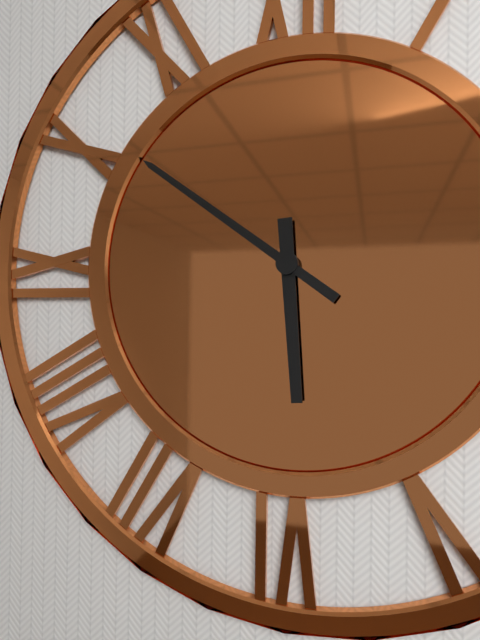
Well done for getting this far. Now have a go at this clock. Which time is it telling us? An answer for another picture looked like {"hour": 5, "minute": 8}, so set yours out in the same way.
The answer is {"hour": 5, "minute": 51}
